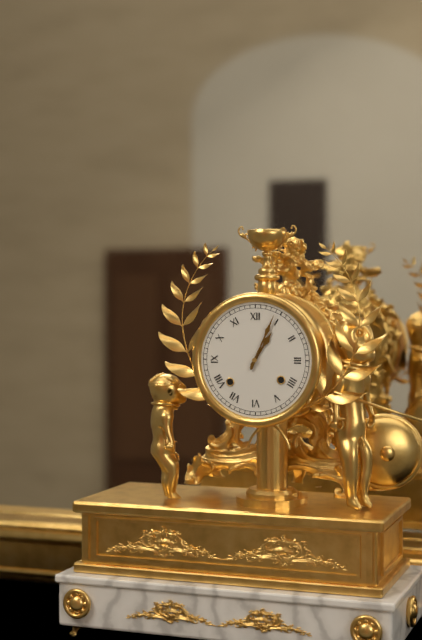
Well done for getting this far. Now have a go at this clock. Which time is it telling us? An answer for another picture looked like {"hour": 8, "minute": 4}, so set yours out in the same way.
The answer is {"hour": 1, "minute": 4}
